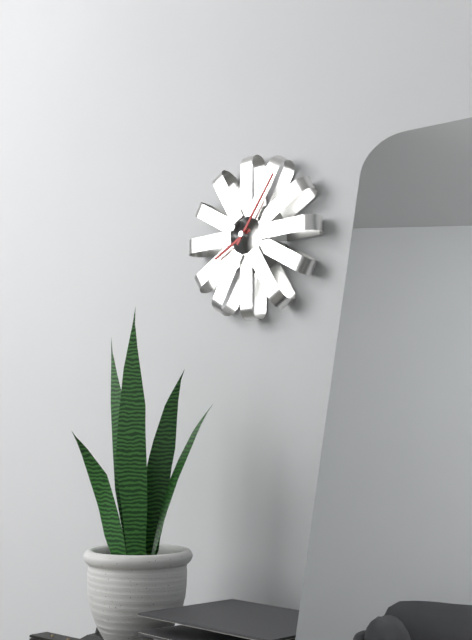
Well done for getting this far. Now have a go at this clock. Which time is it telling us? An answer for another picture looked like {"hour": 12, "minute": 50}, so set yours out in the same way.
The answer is {"hour": 8, "minute": 6}
